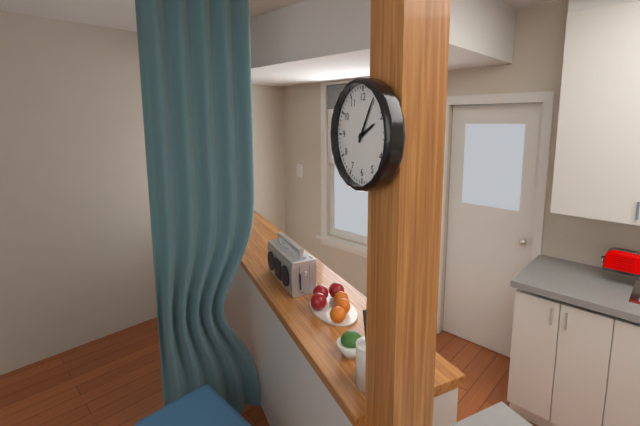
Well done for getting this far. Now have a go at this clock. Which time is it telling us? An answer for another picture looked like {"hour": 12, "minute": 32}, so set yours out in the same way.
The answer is {"hour": 2, "minute": 5}
